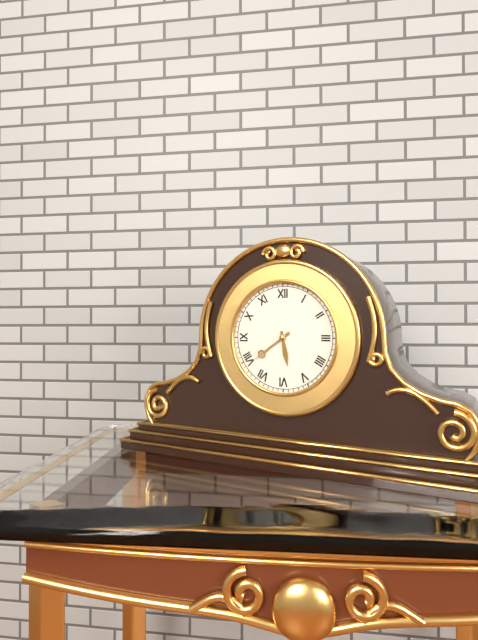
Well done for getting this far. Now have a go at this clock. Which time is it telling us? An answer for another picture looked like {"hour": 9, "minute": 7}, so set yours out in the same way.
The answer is {"hour": 5, "minute": 39}
